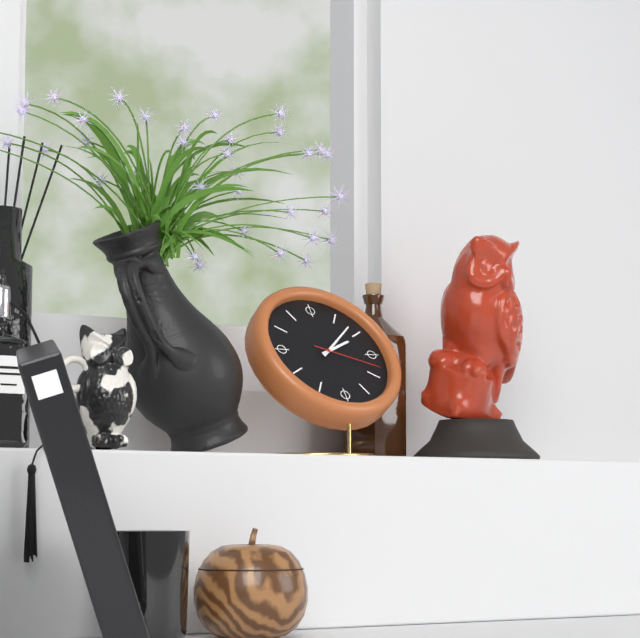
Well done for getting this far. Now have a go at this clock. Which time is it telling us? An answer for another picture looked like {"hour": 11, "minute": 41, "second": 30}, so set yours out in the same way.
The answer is {"hour": 2, "minute": 8, "second": 18}
